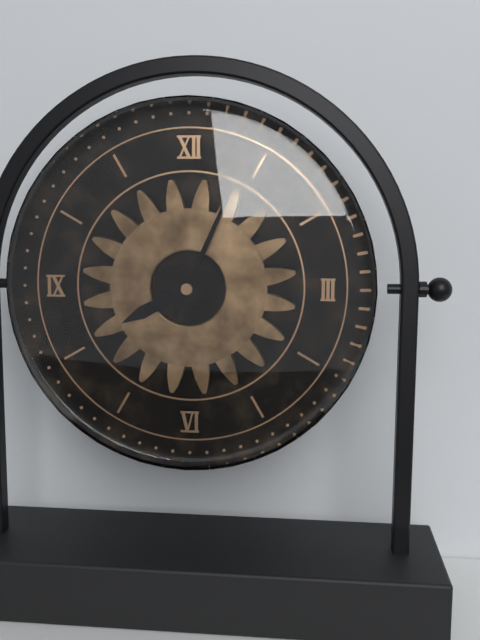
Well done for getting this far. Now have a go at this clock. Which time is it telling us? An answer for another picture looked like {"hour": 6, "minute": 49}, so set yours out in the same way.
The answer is {"hour": 8, "minute": 4}
